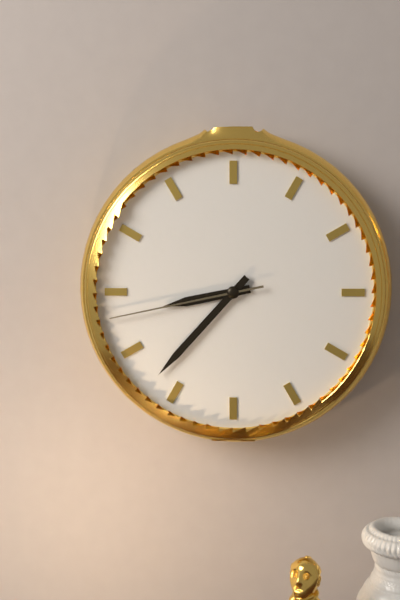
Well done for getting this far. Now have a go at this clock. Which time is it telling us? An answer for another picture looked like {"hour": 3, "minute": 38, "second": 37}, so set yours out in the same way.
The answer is {"hour": 8, "minute": 37, "second": 43}
